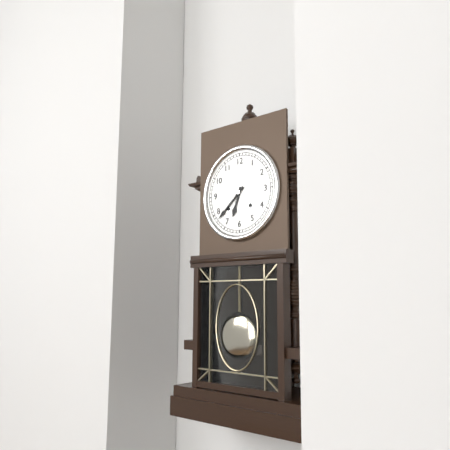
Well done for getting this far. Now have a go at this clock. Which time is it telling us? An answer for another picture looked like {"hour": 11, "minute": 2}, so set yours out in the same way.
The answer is {"hour": 6, "minute": 38}
